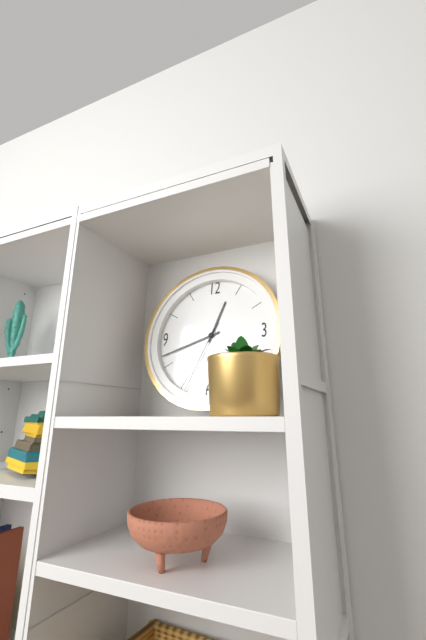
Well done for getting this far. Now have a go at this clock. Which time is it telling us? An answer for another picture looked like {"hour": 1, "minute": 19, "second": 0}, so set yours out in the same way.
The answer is {"hour": 12, "minute": 42, "second": 34}
